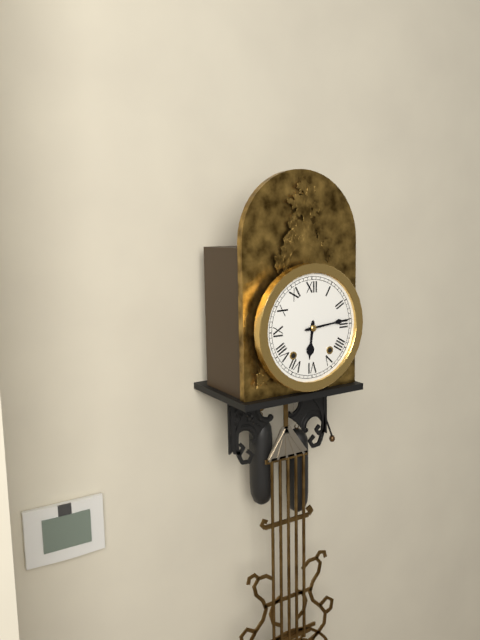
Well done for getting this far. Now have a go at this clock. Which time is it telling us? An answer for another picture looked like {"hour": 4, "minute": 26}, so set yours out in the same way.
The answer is {"hour": 6, "minute": 14}
